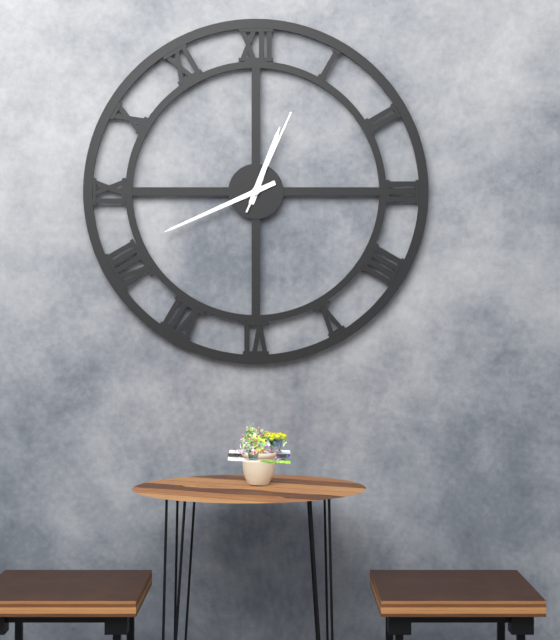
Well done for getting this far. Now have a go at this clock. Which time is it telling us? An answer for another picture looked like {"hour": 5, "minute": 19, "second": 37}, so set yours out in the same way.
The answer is {"hour": 12, "minute": 41, "second": 4}
